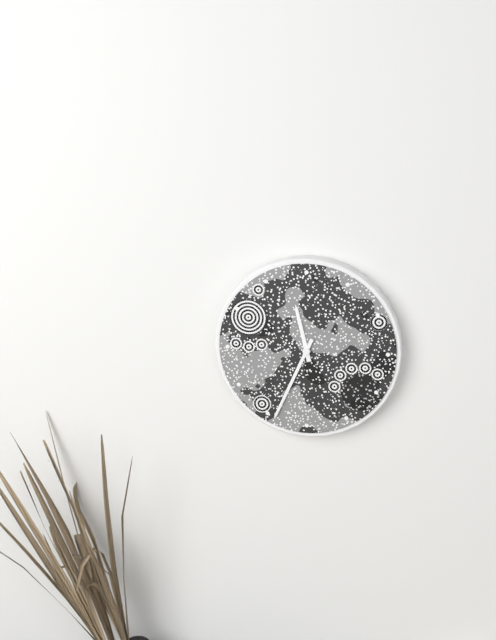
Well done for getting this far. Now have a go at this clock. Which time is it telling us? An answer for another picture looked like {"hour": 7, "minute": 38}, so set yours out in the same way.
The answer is {"hour": 11, "minute": 34}
